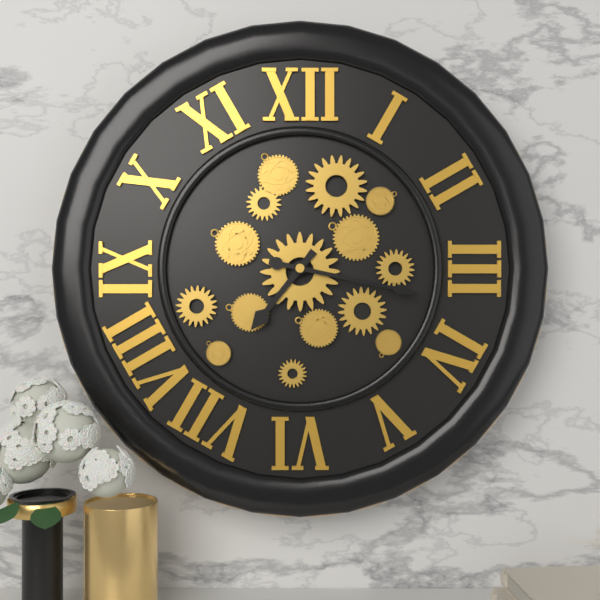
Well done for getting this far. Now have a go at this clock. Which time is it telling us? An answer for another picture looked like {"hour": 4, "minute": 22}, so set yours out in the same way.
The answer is {"hour": 7, "minute": 17}
